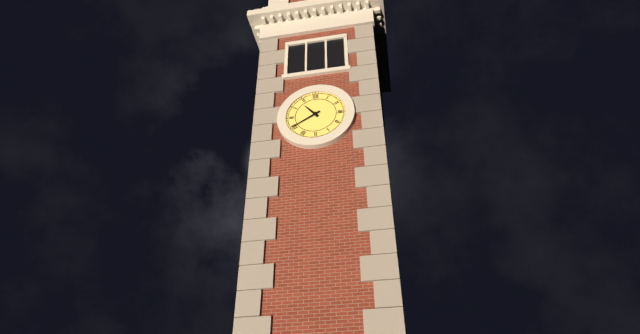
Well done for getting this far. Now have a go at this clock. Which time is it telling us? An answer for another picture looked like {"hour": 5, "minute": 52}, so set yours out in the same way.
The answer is {"hour": 10, "minute": 40}
